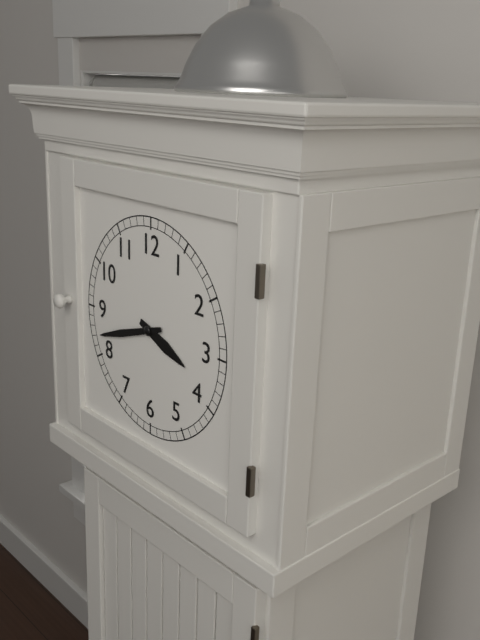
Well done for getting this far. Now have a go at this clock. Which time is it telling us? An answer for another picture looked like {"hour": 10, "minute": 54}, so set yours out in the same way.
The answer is {"hour": 3, "minute": 42}
